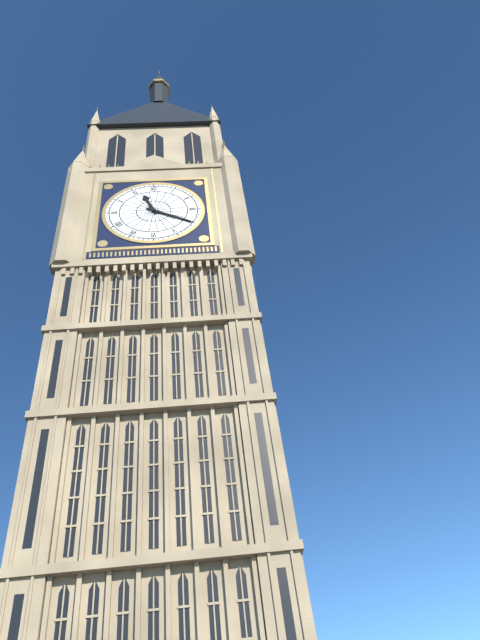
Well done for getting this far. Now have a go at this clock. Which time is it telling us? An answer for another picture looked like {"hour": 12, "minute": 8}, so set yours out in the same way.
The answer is {"hour": 11, "minute": 20}
